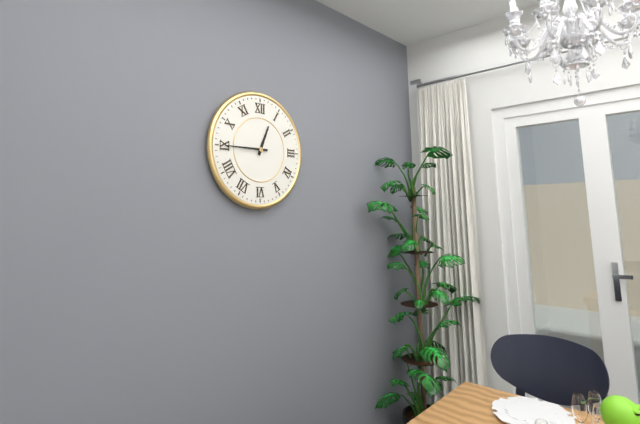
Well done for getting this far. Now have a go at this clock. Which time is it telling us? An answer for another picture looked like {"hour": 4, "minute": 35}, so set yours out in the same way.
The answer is {"hour": 12, "minute": 45}
